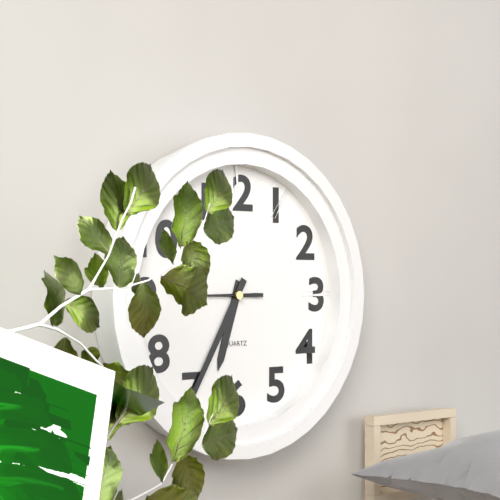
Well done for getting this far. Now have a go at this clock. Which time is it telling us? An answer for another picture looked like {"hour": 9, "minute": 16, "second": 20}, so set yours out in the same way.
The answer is {"hour": 6, "minute": 35, "second": 45}
